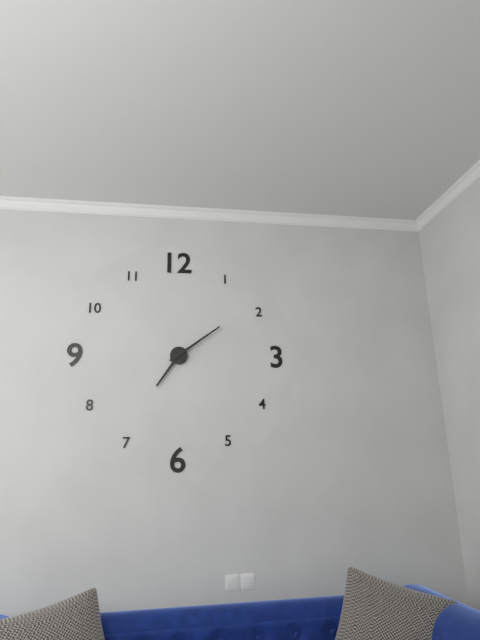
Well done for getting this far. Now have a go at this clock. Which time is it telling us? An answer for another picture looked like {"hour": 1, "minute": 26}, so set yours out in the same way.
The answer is {"hour": 7, "minute": 9}
